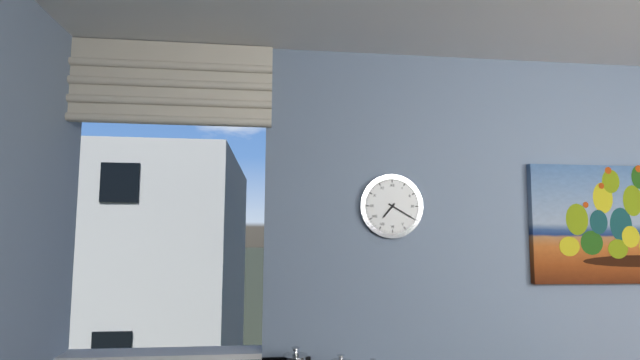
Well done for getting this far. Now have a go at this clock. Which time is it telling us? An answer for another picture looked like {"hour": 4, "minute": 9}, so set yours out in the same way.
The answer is {"hour": 7, "minute": 20}
